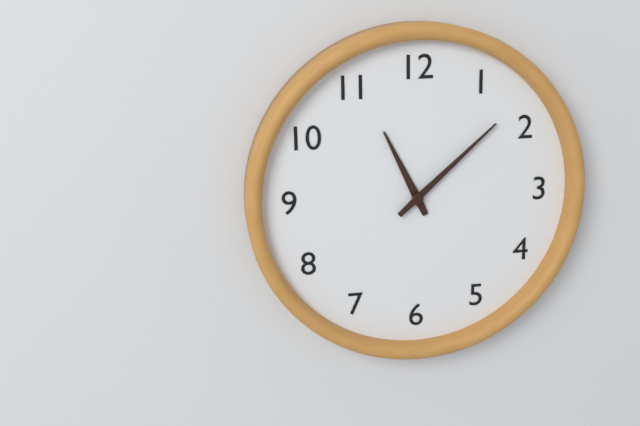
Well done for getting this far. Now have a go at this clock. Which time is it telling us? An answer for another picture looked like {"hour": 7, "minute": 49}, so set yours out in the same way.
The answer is {"hour": 11, "minute": 8}
